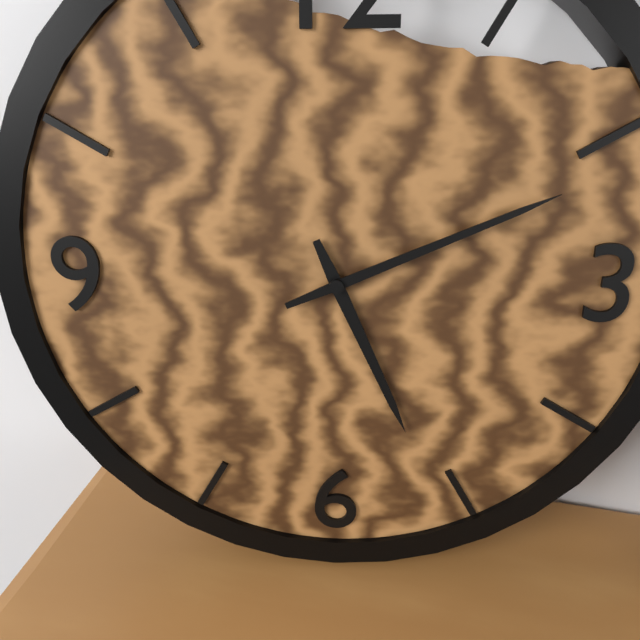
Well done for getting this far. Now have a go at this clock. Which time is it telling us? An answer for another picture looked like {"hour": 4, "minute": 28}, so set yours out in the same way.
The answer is {"hour": 5, "minute": 11}
